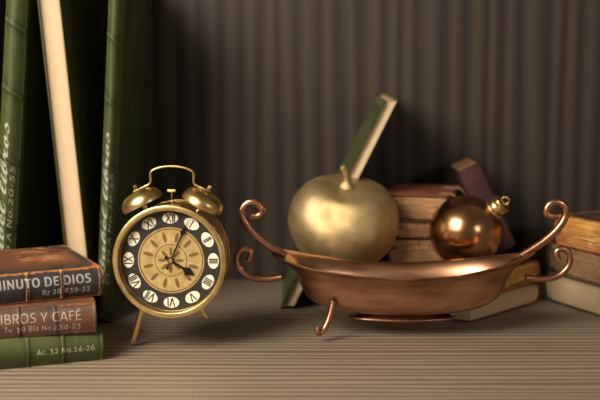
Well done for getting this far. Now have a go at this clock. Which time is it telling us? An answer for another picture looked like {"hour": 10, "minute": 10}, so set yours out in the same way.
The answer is {"hour": 4, "minute": 4}
